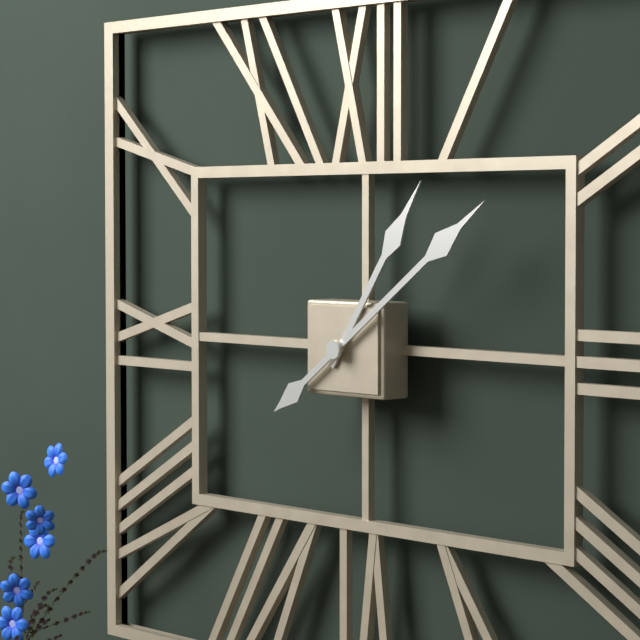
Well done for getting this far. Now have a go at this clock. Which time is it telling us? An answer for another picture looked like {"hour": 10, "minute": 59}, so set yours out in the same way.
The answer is {"hour": 1, "minute": 9}
